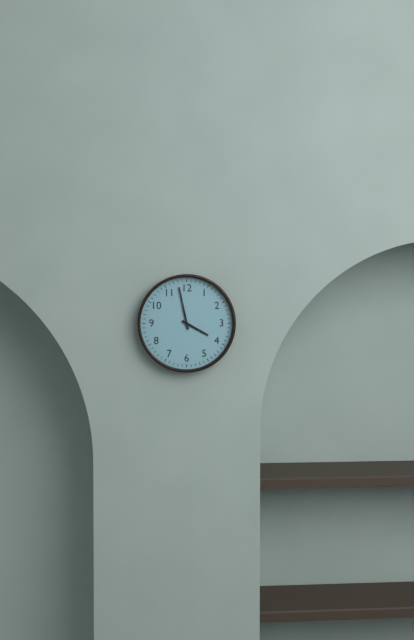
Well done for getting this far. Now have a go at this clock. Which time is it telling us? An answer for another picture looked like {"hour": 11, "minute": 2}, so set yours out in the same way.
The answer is {"hour": 3, "minute": 58}
